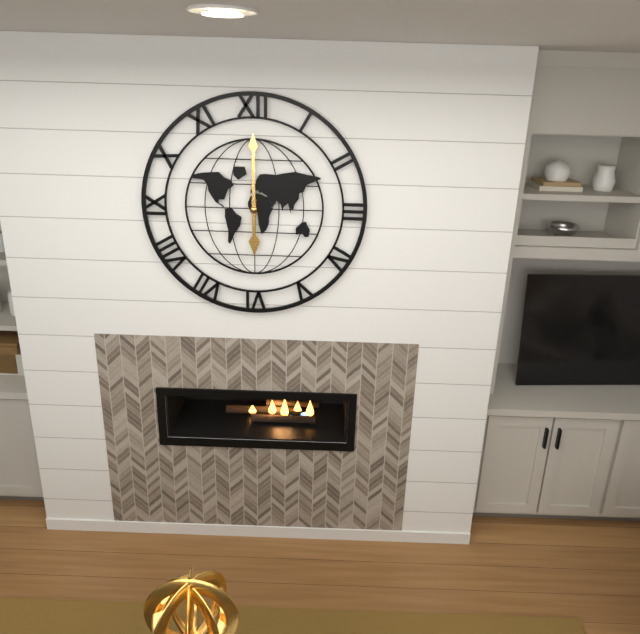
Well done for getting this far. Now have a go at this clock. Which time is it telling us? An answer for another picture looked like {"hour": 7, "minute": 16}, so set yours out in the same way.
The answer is {"hour": 6, "minute": 0}
